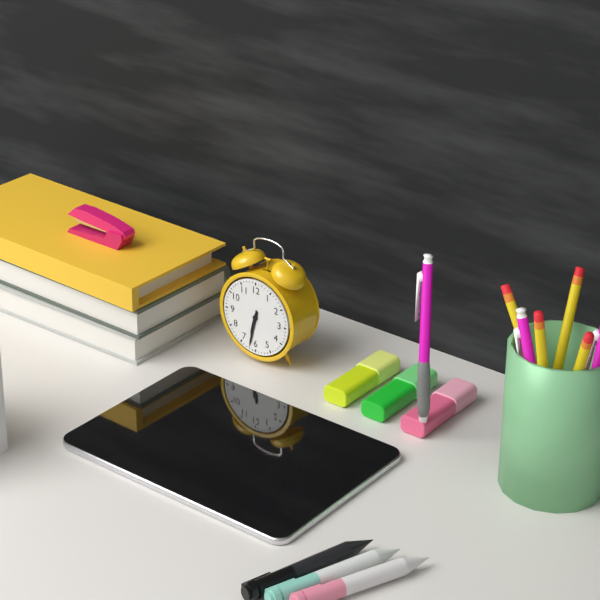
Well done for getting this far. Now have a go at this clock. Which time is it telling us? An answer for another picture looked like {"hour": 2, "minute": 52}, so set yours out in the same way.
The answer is {"hour": 6, "minute": 32}
